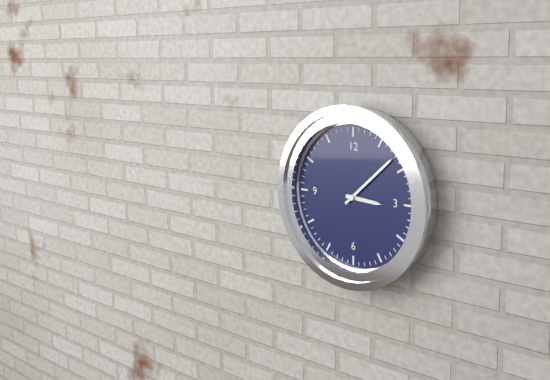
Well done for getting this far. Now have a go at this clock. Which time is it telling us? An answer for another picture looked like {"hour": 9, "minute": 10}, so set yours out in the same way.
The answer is {"hour": 3, "minute": 8}
